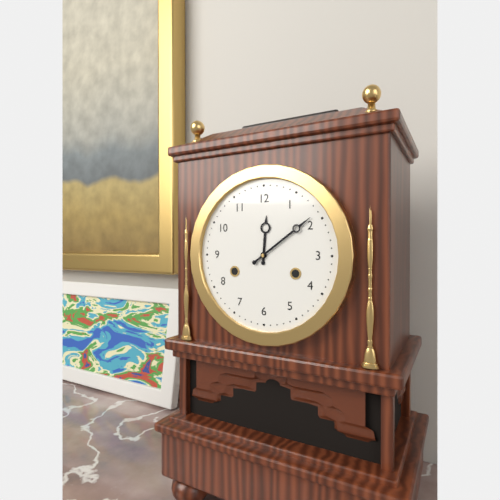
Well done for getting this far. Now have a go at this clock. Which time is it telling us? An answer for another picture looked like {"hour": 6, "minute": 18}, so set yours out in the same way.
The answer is {"hour": 12, "minute": 9}
